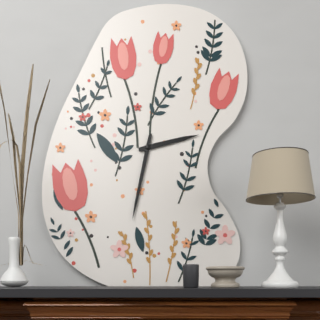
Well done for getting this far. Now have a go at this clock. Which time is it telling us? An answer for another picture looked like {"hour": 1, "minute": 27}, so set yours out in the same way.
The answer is {"hour": 2, "minute": 32}
